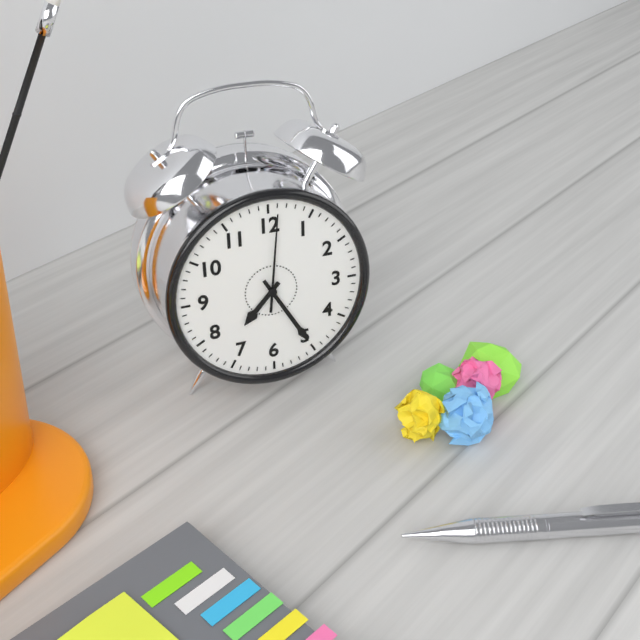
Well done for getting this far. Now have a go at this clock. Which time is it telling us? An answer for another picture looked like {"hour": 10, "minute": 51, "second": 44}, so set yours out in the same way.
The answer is {"hour": 7, "minute": 25, "second": 1}
